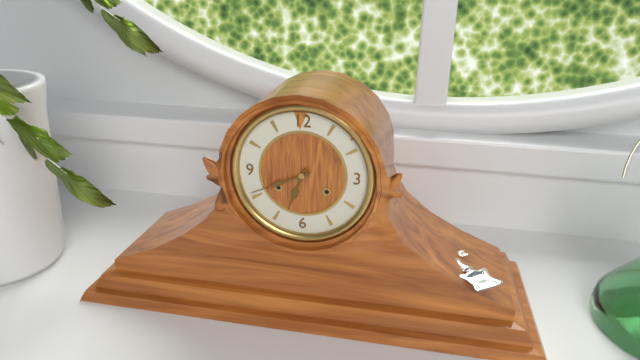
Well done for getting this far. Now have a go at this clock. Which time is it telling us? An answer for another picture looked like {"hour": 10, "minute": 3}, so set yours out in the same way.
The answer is {"hour": 6, "minute": 41}
